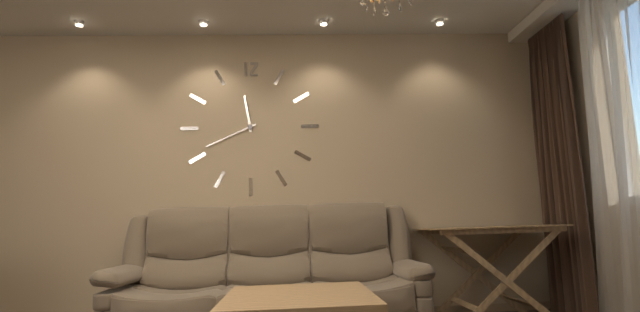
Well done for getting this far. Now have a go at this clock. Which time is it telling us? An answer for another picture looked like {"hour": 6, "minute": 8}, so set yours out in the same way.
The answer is {"hour": 11, "minute": 41}
